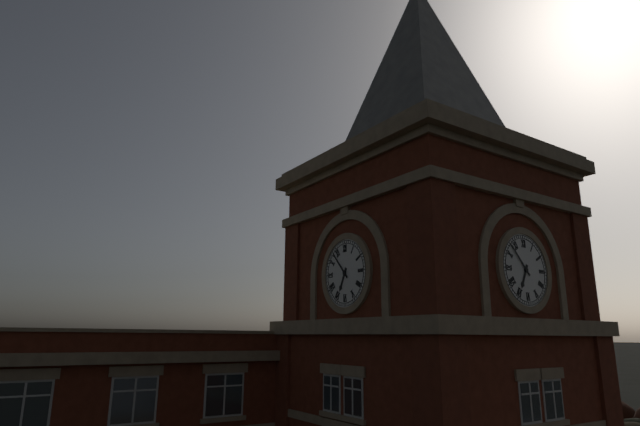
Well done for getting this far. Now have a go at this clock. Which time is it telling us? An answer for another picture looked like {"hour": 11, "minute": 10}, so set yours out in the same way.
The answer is {"hour": 6, "minute": 53}
